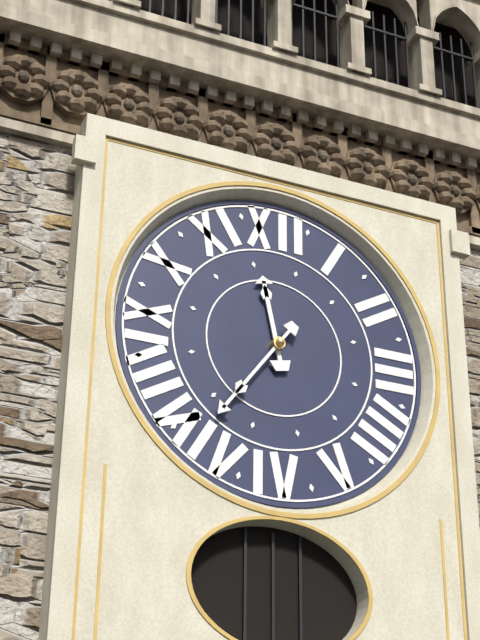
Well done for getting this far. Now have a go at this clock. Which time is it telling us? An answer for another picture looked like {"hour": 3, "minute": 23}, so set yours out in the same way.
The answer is {"hour": 11, "minute": 36}
